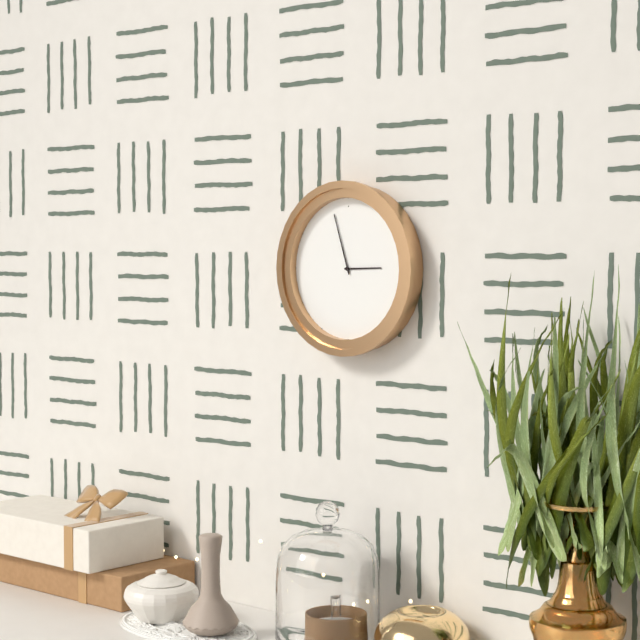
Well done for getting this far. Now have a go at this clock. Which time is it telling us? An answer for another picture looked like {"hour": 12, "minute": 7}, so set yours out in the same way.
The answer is {"hour": 2, "minute": 57}
